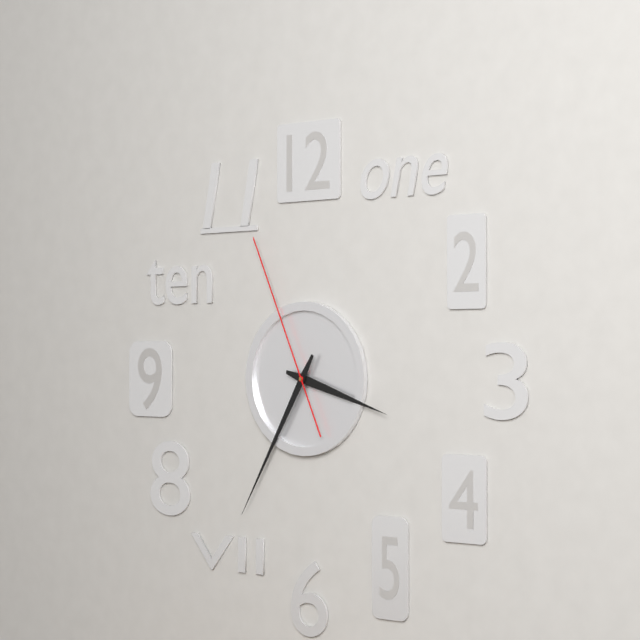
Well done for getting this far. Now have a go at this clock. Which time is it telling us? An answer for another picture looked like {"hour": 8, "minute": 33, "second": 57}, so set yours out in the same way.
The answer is {"hour": 3, "minute": 35, "second": 56}
